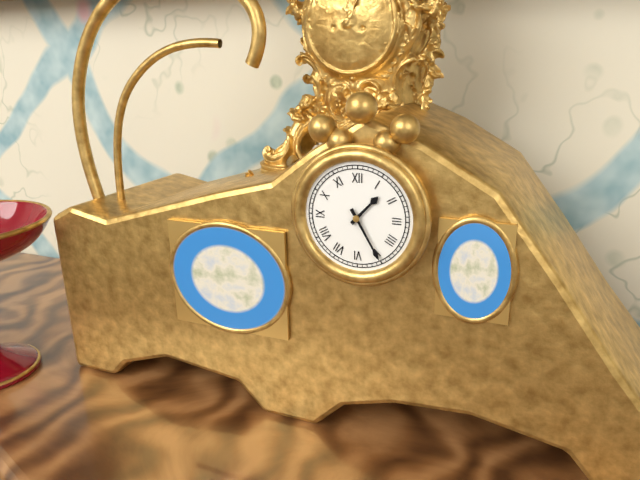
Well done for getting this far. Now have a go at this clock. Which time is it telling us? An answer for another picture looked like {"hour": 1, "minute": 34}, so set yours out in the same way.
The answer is {"hour": 1, "minute": 25}
